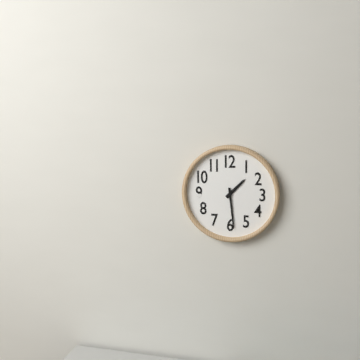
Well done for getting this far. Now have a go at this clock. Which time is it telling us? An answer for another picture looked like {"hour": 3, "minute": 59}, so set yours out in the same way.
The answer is {"hour": 1, "minute": 29}
